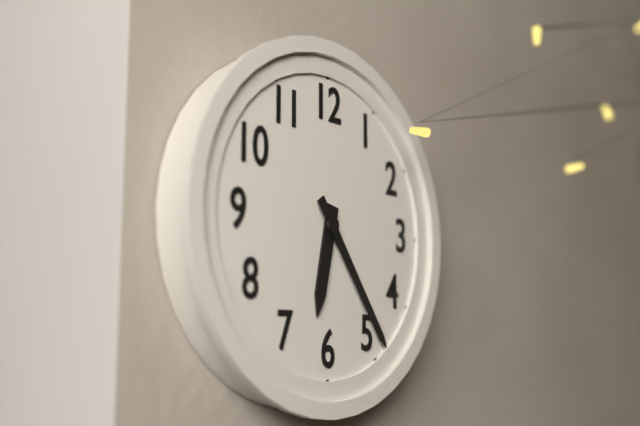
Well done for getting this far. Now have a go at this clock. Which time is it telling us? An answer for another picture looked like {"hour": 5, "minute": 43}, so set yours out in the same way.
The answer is {"hour": 6, "minute": 24}
